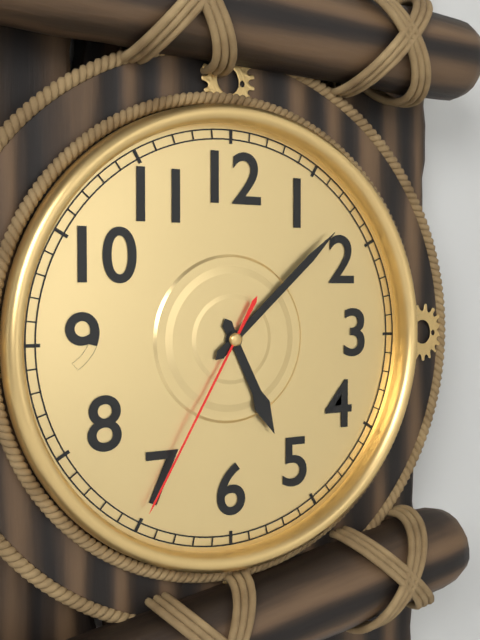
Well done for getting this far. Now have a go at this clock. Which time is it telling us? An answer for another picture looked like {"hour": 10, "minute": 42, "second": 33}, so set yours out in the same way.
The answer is {"hour": 5, "minute": 8, "second": 35}
